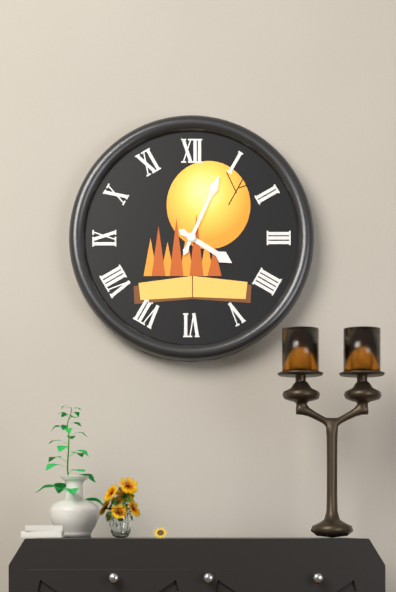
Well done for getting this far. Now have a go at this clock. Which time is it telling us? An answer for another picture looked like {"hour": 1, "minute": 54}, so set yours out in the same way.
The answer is {"hour": 4, "minute": 4}
